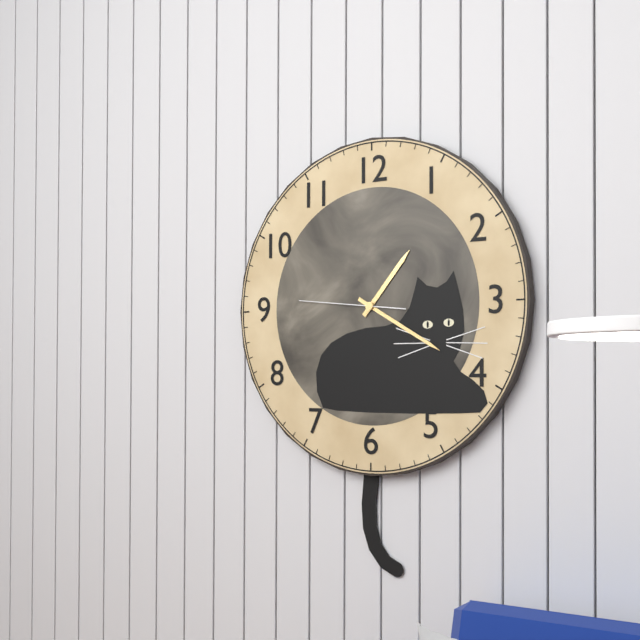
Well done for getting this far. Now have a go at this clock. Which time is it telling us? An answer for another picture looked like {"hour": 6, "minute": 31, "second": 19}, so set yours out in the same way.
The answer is {"hour": 1, "minute": 20, "second": 46}
